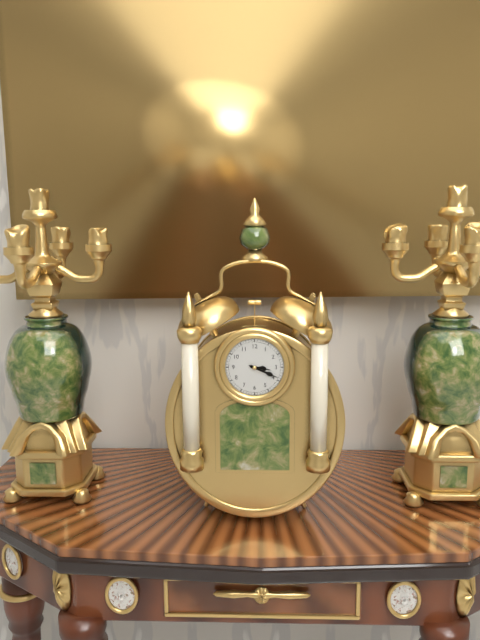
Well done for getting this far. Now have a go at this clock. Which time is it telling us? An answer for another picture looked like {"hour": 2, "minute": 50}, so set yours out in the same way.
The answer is {"hour": 3, "minute": 19}
